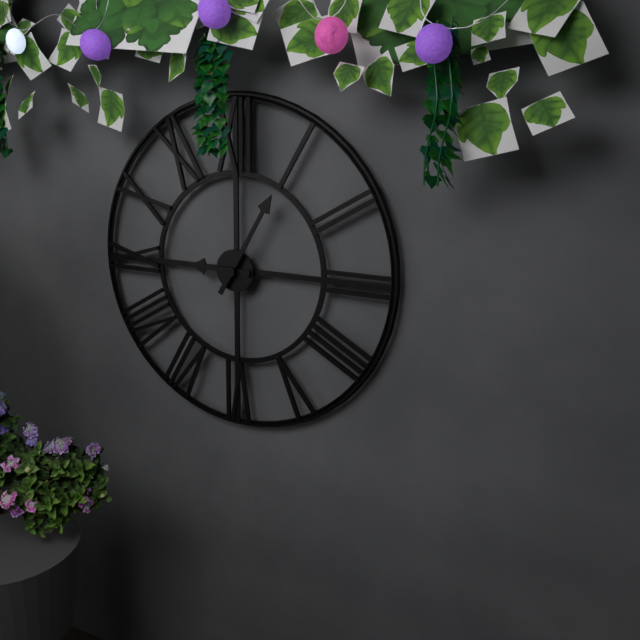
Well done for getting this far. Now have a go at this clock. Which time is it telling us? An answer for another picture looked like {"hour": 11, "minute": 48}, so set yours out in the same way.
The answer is {"hour": 9, "minute": 5}
